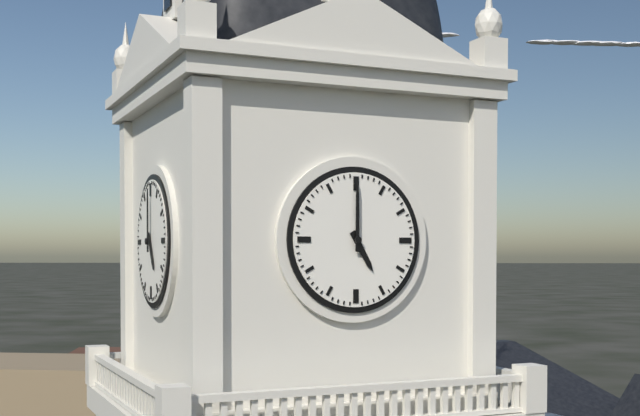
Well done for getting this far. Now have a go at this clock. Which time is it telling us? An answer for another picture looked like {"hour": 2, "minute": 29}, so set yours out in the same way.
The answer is {"hour": 5, "minute": 0}
